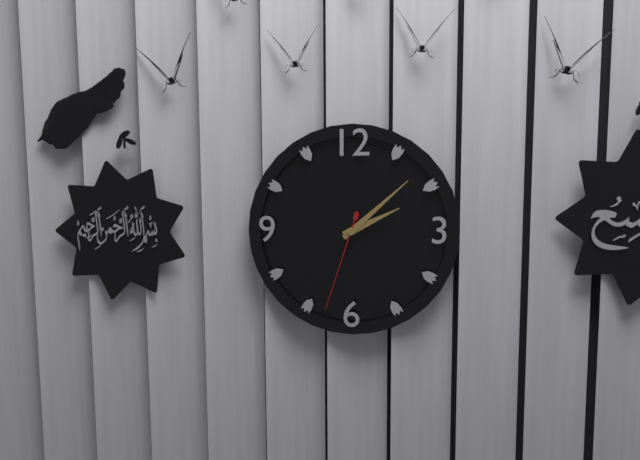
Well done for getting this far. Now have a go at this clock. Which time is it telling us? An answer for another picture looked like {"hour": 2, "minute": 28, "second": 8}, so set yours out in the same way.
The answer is {"hour": 2, "minute": 8, "second": 33}
